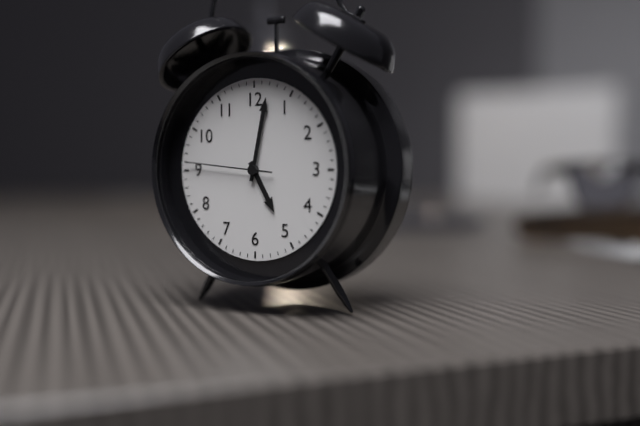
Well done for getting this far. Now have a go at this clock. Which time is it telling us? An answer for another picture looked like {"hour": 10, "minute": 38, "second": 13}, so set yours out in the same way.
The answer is {"hour": 5, "minute": 2, "second": 46}
